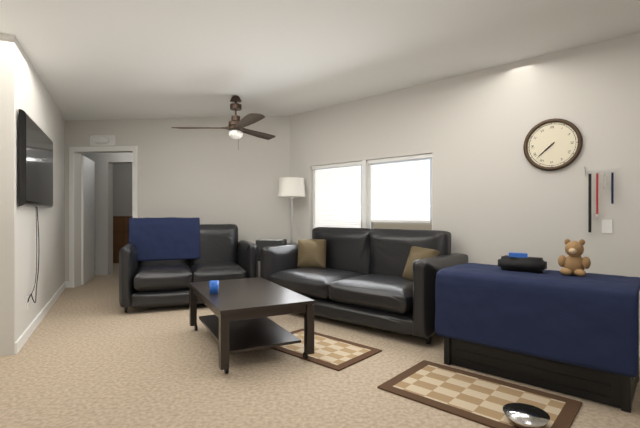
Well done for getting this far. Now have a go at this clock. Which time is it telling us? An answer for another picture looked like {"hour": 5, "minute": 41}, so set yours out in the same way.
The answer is {"hour": 7, "minute": 38}
